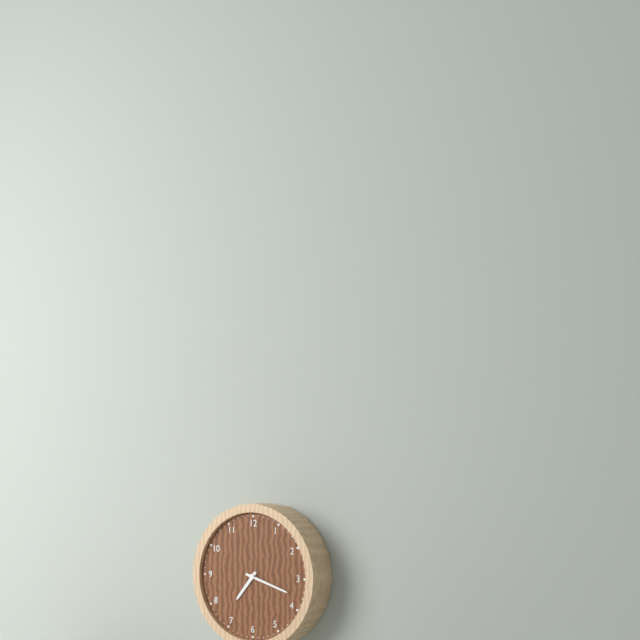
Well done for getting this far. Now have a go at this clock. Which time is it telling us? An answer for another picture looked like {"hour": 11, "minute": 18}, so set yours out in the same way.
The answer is {"hour": 7, "minute": 18}
